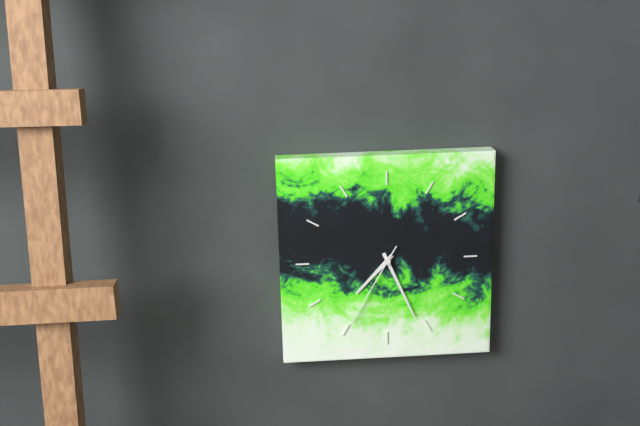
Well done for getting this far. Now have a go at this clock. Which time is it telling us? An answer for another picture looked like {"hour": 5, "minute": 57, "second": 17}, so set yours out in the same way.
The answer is {"hour": 7, "minute": 26, "second": 35}
